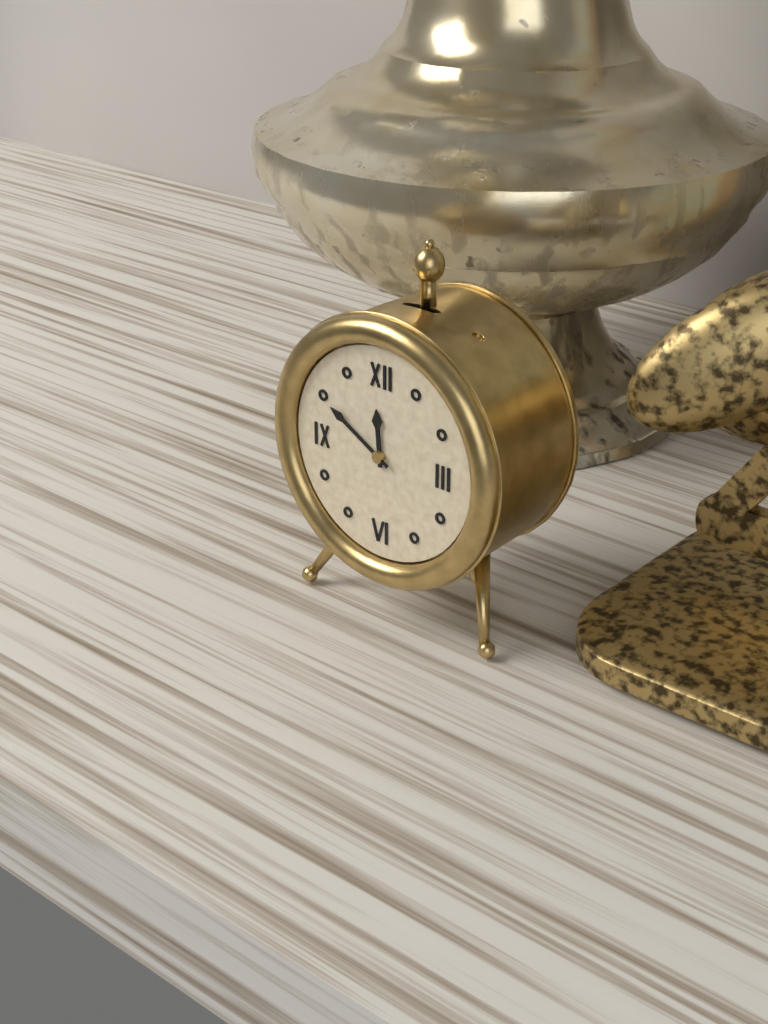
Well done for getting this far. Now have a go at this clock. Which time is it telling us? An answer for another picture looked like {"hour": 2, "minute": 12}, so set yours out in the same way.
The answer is {"hour": 11, "minute": 50}
